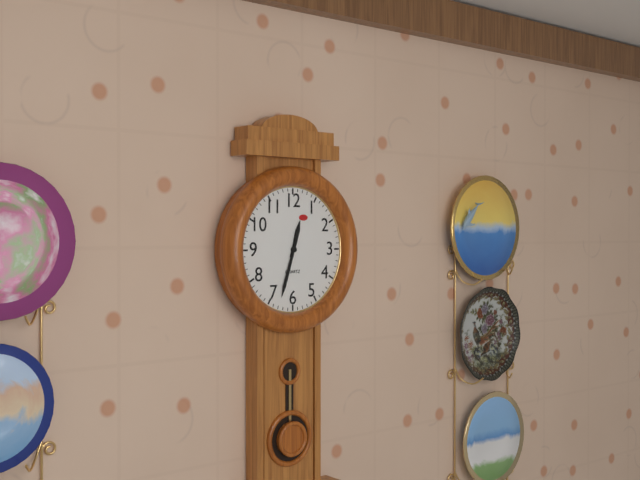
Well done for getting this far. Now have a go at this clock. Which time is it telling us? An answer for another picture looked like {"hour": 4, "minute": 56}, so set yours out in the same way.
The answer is {"hour": 12, "minute": 33}
